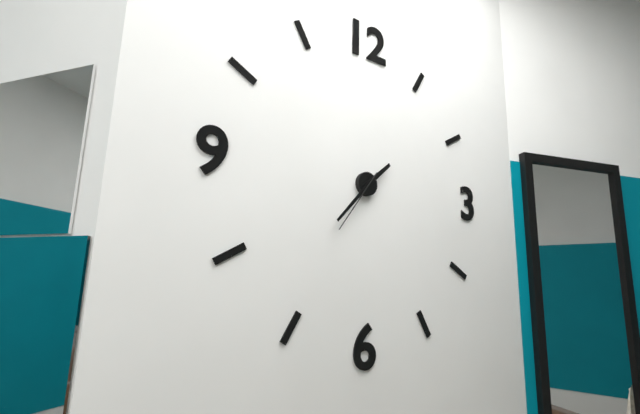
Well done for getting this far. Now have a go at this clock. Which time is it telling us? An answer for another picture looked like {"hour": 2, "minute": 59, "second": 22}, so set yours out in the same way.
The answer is {"hour": 1, "minute": 37, "second": 36}
